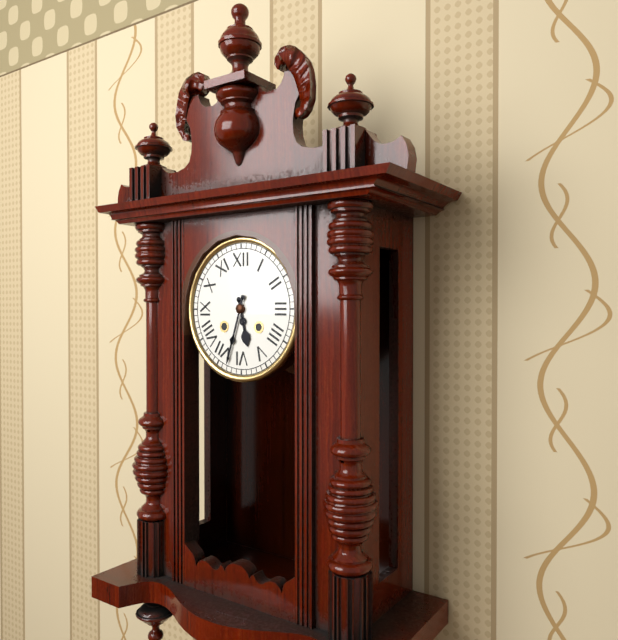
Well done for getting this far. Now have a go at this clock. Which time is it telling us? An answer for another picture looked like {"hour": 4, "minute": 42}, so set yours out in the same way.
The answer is {"hour": 5, "minute": 33}
